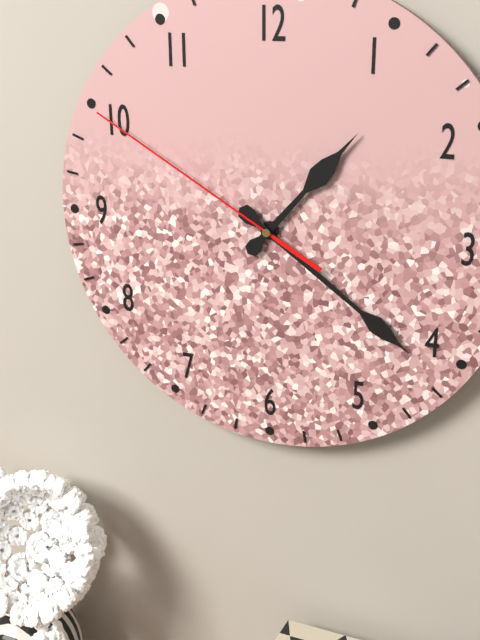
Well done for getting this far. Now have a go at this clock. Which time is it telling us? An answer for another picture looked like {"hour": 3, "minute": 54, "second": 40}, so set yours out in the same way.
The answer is {"hour": 1, "minute": 21, "second": 50}
